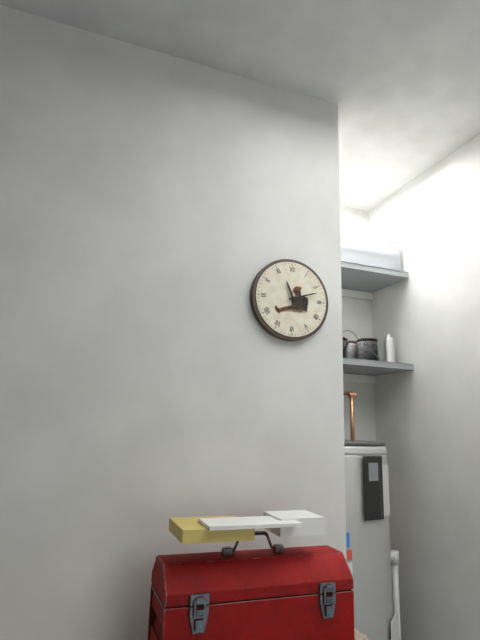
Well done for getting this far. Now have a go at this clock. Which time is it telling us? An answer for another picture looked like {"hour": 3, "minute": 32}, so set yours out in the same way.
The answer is {"hour": 11, "minute": 12}
